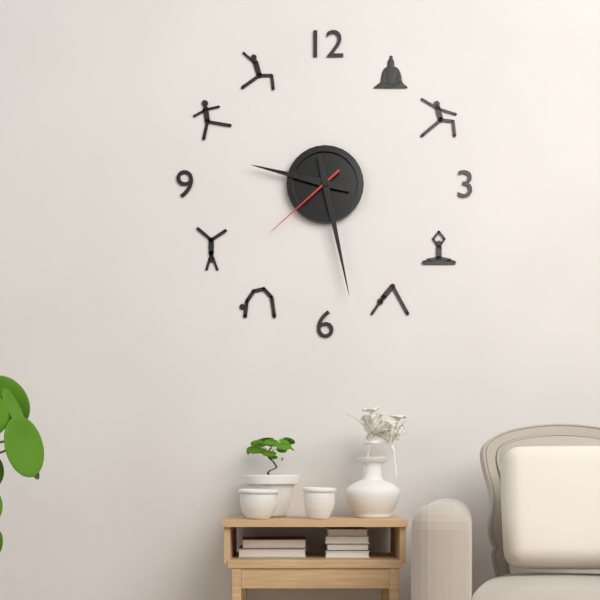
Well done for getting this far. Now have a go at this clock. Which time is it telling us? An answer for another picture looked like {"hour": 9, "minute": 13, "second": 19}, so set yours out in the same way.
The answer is {"hour": 9, "minute": 28, "second": 38}
